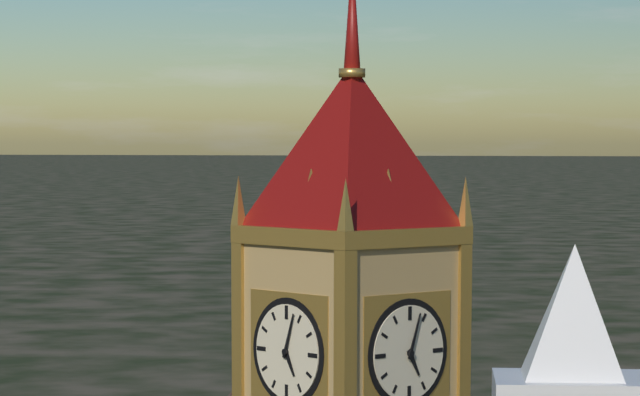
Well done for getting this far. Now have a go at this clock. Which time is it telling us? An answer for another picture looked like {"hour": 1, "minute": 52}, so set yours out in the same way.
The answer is {"hour": 5, "minute": 3}
